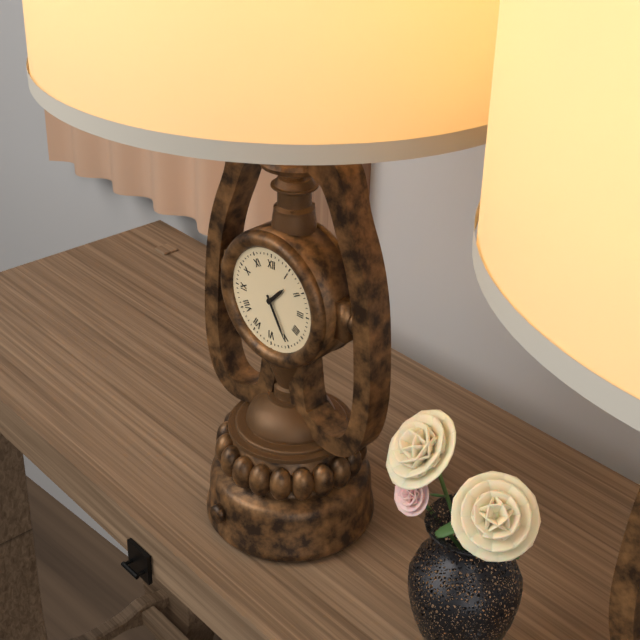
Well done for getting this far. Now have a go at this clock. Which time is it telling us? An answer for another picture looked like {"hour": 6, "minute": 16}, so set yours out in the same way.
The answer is {"hour": 1, "minute": 25}
